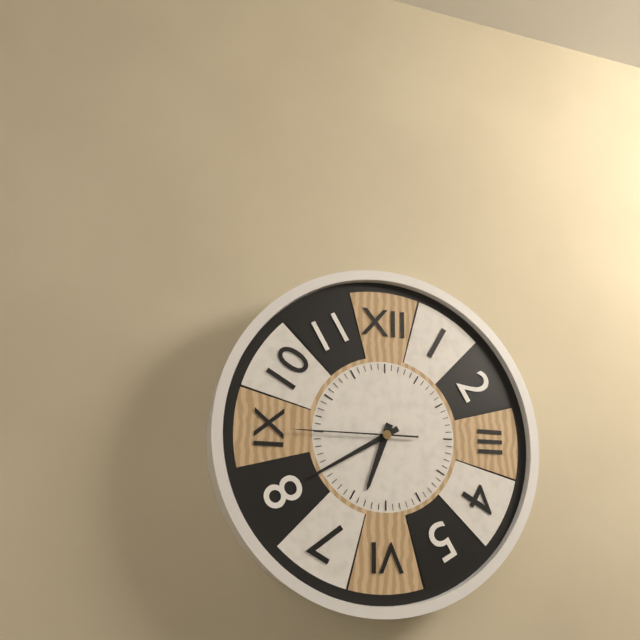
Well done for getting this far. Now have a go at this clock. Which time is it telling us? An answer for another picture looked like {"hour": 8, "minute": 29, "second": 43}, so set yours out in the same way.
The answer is {"hour": 6, "minute": 40, "second": 45}
